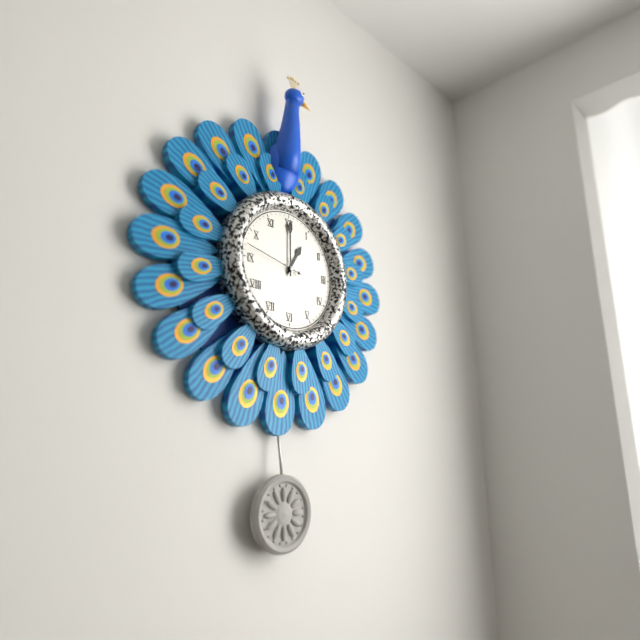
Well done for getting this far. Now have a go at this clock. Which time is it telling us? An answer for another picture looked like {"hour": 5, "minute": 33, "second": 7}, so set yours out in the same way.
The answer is {"hour": 1, "minute": 0, "second": 47}
